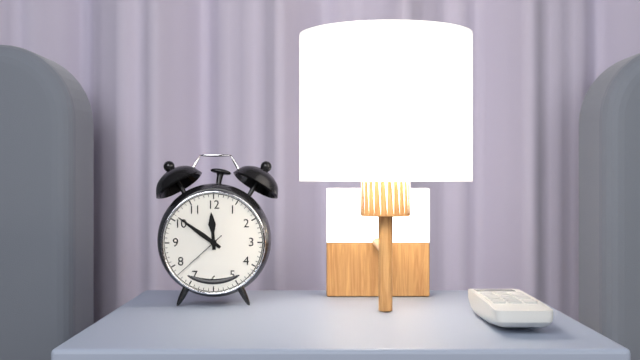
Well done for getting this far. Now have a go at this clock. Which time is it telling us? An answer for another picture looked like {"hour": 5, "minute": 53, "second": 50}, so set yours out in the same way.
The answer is {"hour": 11, "minute": 51, "second": 38}
